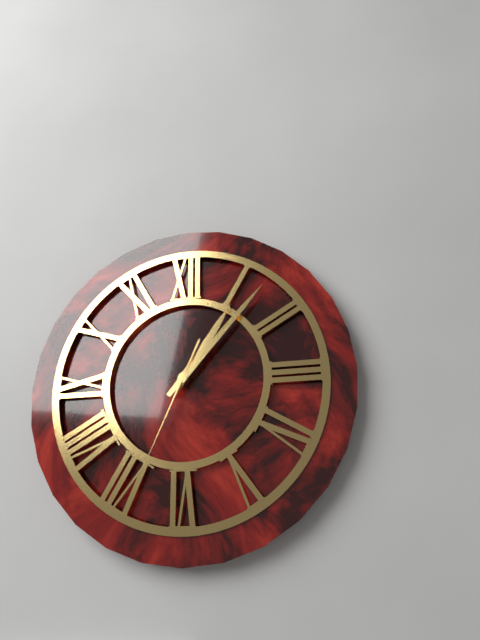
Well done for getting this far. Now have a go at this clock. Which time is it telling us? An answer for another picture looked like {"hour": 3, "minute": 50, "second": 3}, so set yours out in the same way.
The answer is {"hour": 1, "minute": 7, "second": 34}
